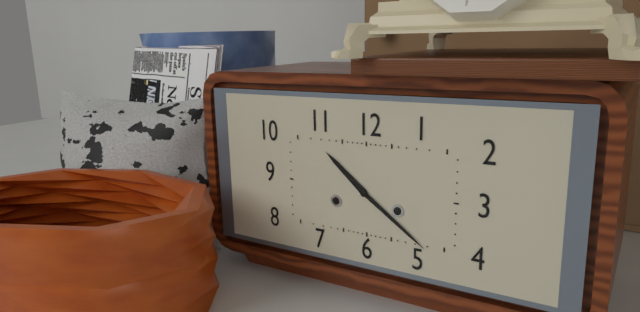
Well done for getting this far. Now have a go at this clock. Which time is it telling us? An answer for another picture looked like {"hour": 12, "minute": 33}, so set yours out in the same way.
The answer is {"hour": 10, "minute": 21}
